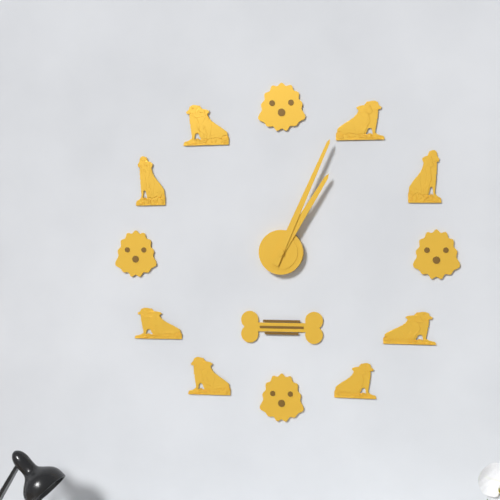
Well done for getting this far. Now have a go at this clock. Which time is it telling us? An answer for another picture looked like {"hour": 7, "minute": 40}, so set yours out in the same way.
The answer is {"hour": 1, "minute": 4}
